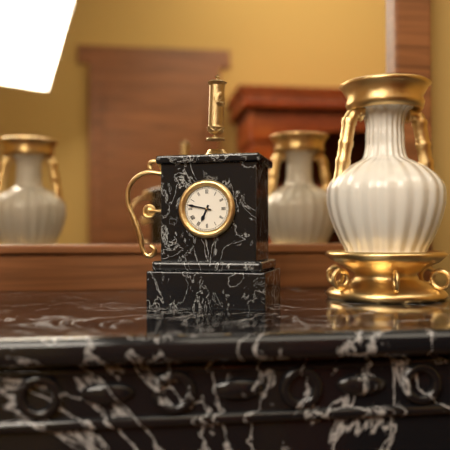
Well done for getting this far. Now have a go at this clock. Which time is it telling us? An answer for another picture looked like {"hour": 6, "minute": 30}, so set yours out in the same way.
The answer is {"hour": 6, "minute": 47}
